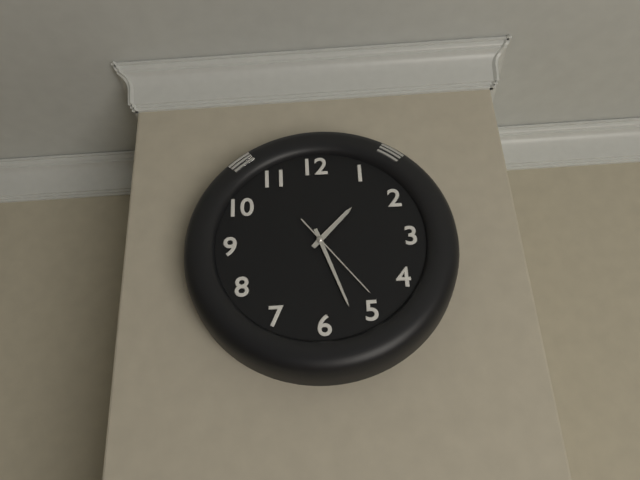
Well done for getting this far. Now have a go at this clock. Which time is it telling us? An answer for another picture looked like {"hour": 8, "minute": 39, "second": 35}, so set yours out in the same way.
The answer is {"hour": 1, "minute": 27, "second": 24}
